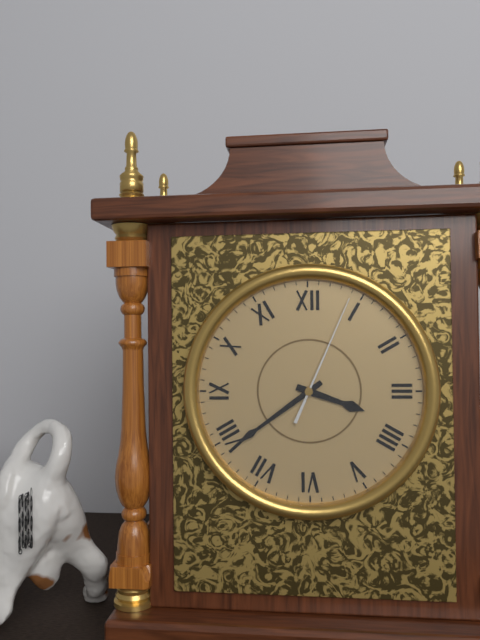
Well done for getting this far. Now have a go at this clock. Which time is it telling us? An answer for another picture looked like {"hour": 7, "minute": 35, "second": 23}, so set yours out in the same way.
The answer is {"hour": 3, "minute": 39, "second": 4}
